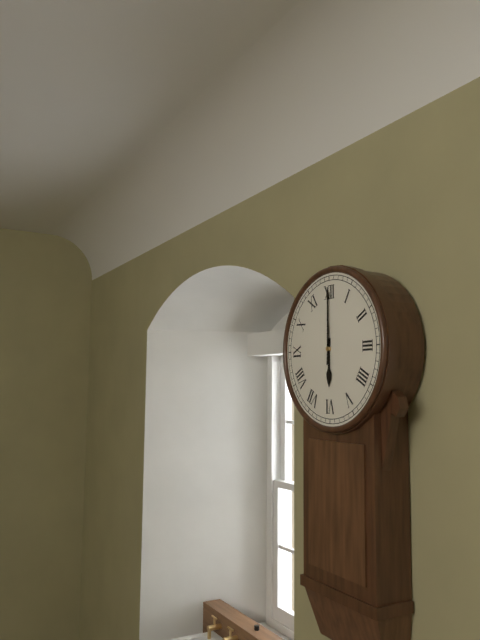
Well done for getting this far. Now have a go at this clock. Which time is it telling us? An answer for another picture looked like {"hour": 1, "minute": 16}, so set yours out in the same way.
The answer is {"hour": 6, "minute": 0}
